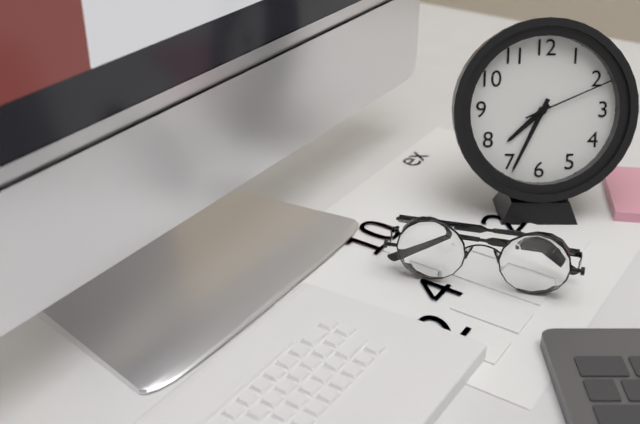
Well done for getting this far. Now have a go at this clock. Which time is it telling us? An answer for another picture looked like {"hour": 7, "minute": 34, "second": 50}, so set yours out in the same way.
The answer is {"hour": 7, "minute": 34, "second": 11}
